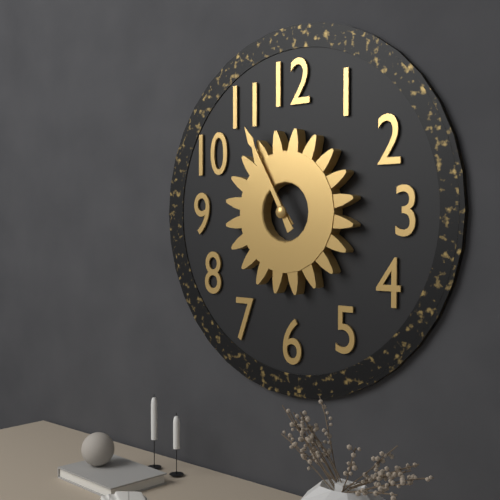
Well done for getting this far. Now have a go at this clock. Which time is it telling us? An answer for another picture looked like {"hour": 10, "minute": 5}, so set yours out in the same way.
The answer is {"hour": 10, "minute": 55}
